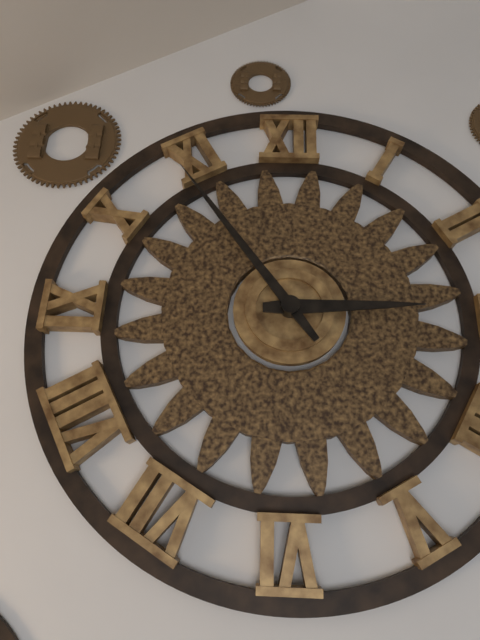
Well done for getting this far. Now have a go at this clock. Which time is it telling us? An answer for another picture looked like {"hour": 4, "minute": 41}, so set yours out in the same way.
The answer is {"hour": 2, "minute": 54}
